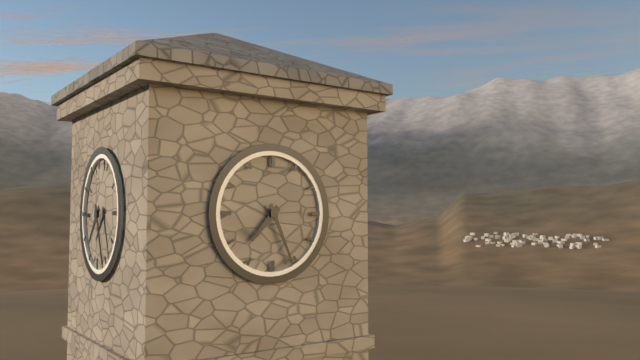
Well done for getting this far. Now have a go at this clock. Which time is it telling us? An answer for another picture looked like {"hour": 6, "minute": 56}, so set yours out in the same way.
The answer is {"hour": 7, "minute": 26}
